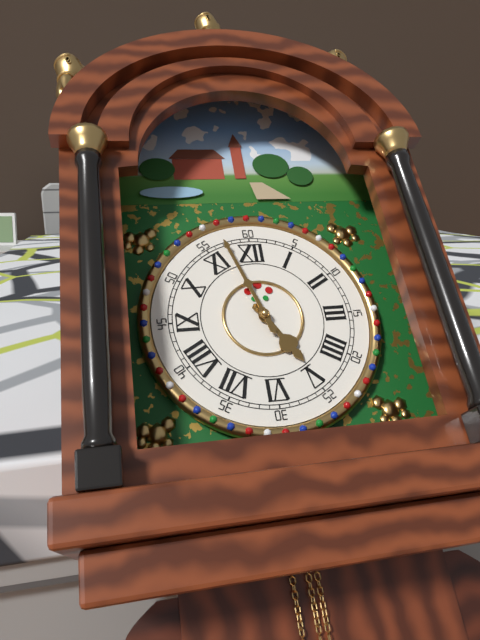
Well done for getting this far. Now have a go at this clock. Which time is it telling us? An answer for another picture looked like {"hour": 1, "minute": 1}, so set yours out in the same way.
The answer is {"hour": 4, "minute": 57}
